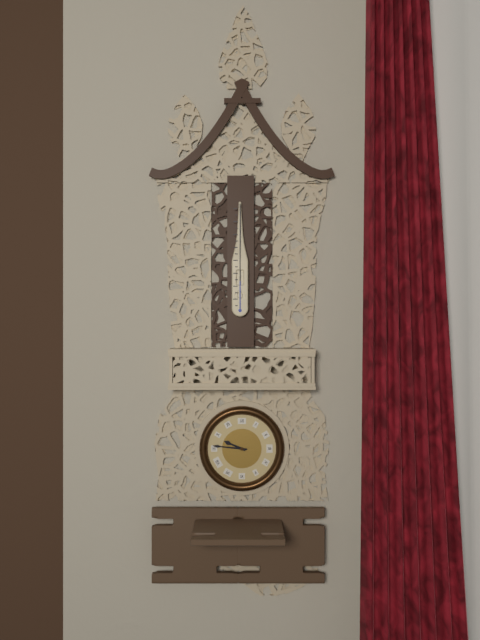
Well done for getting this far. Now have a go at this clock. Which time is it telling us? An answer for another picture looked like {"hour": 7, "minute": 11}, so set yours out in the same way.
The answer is {"hour": 9, "minute": 46}
